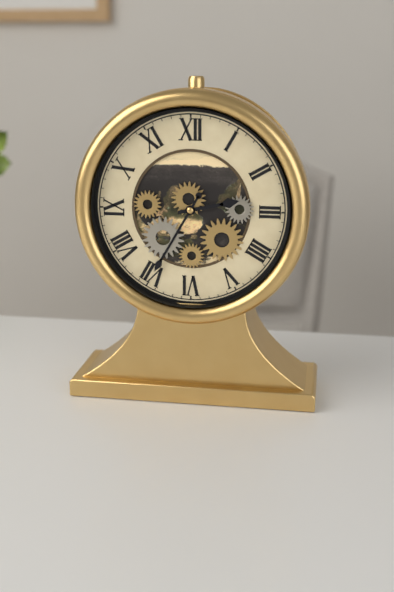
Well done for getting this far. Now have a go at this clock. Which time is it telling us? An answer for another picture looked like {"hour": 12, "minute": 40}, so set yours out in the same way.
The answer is {"hour": 2, "minute": 35}
